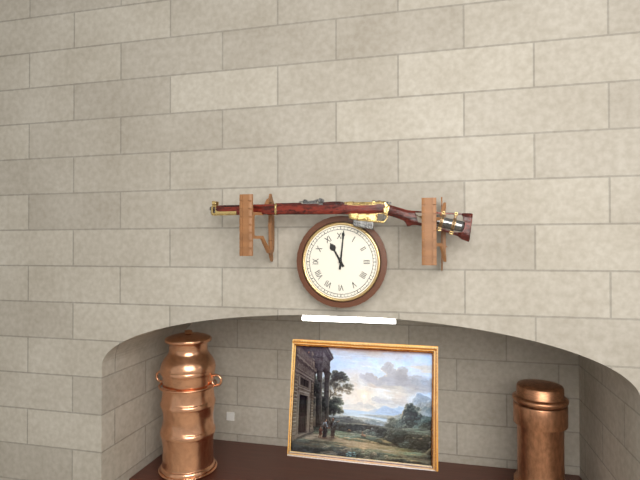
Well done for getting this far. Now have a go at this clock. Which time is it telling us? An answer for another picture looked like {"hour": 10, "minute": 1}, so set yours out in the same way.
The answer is {"hour": 11, "minute": 1}
